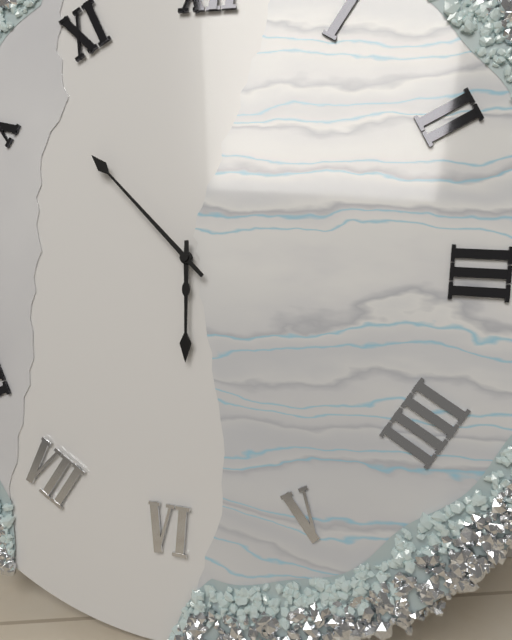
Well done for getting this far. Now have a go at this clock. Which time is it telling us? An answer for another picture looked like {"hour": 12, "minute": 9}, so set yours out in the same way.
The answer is {"hour": 5, "minute": 52}
